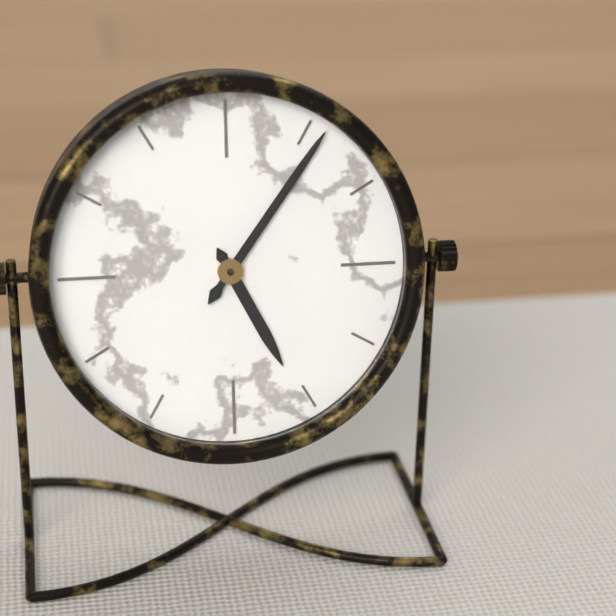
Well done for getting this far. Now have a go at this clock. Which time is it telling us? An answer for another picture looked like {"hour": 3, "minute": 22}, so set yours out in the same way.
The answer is {"hour": 5, "minute": 6}
